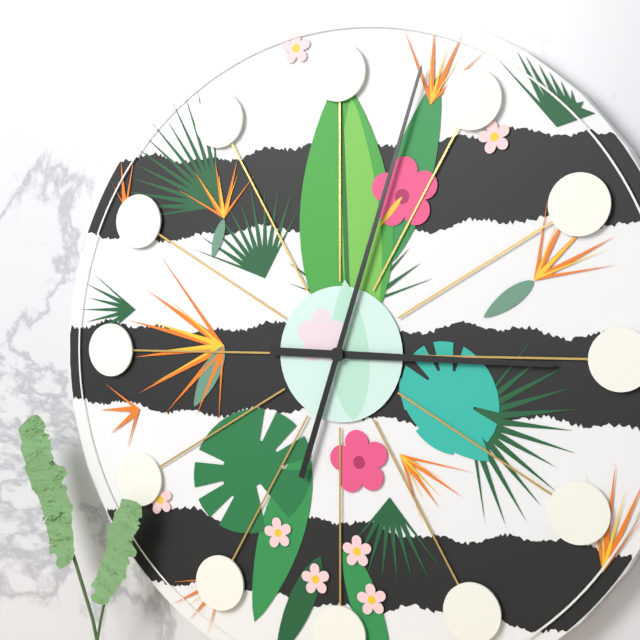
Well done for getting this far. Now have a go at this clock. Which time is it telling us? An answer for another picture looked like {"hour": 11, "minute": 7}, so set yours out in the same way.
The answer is {"hour": 3, "minute": 3}
